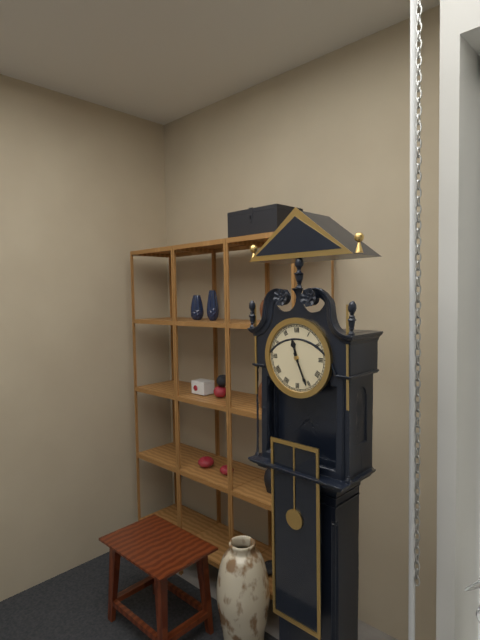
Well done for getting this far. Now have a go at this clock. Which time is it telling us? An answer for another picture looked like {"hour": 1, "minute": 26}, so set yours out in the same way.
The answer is {"hour": 11, "minute": 26}
